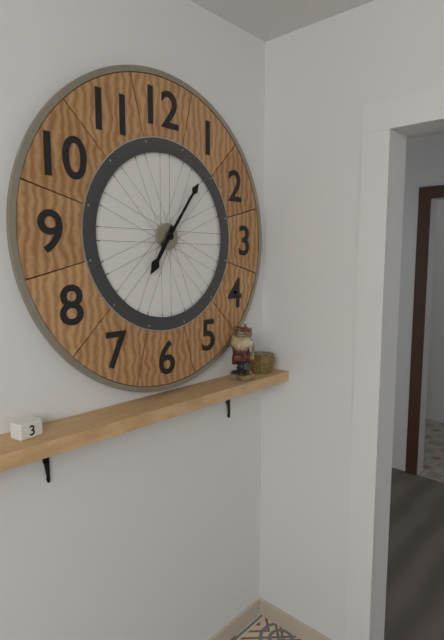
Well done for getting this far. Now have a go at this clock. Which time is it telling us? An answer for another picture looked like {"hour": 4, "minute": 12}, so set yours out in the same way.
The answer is {"hour": 7, "minute": 6}
